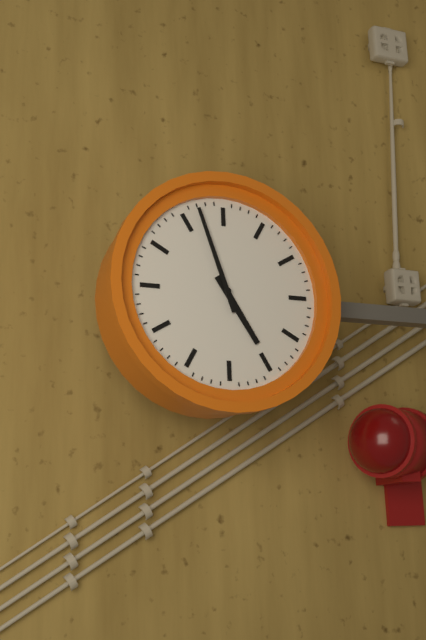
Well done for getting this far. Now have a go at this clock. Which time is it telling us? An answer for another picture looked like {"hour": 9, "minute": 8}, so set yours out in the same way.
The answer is {"hour": 4, "minute": 57}
